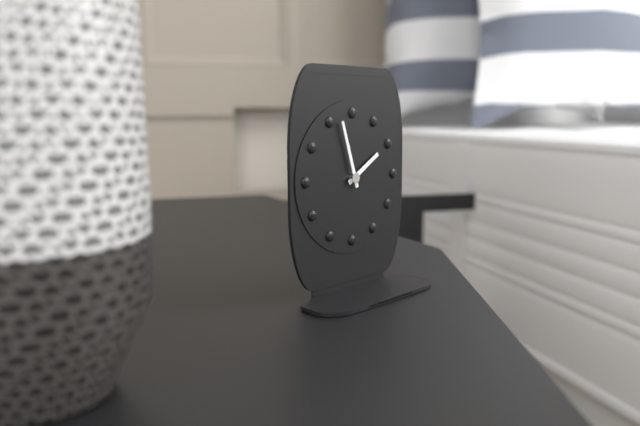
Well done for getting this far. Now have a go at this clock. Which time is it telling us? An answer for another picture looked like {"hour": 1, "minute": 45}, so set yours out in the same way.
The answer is {"hour": 1, "minute": 57}
